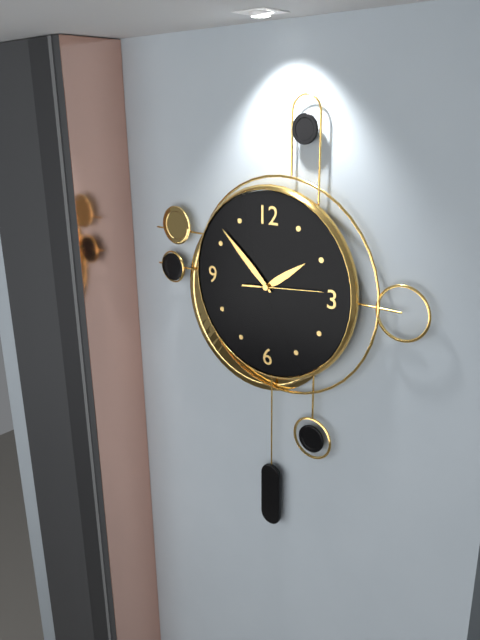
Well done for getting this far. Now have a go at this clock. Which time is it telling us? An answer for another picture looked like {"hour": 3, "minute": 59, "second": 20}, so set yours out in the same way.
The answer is {"hour": 1, "minute": 52, "second": 14}
